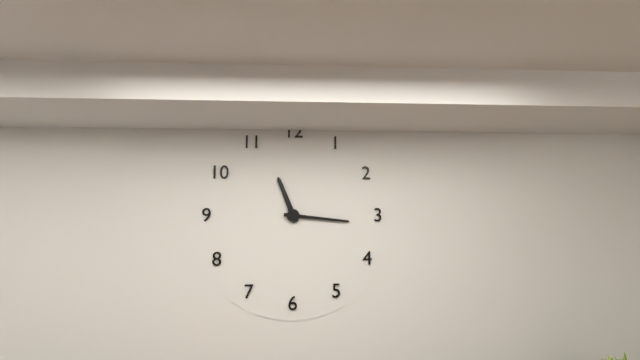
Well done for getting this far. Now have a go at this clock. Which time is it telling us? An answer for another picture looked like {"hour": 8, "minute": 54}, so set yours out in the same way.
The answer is {"hour": 11, "minute": 16}
